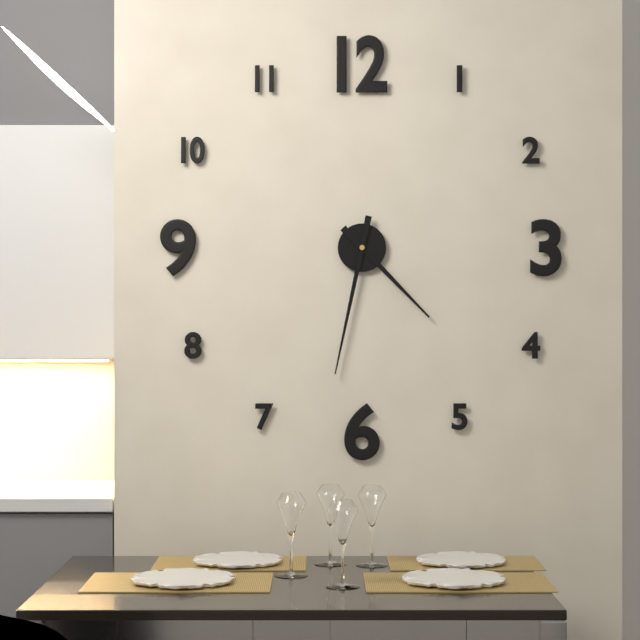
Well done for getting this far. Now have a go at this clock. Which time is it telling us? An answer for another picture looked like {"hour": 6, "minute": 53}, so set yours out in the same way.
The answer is {"hour": 4, "minute": 32}
